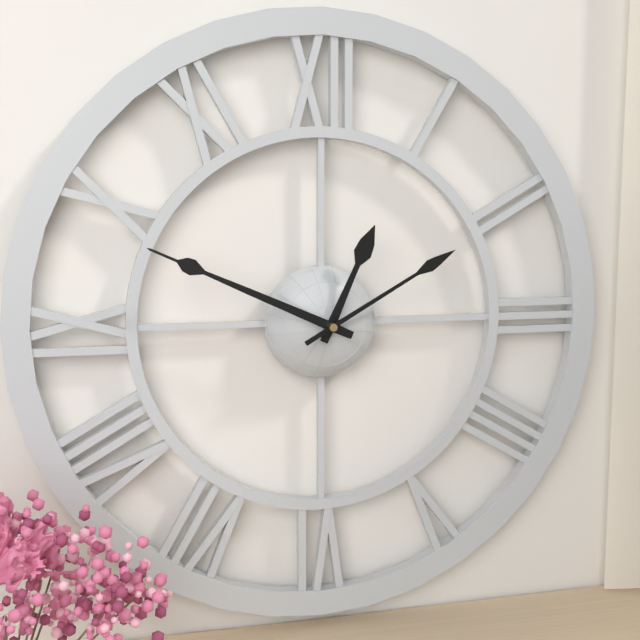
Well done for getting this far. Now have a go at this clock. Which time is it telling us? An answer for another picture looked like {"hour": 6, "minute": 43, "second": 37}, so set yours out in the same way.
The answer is {"hour": 12, "minute": 49, "second": 10}
